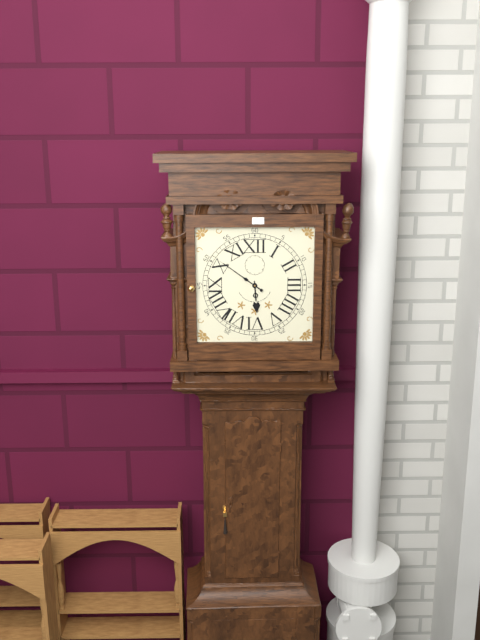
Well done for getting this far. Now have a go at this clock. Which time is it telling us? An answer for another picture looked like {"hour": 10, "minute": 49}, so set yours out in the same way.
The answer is {"hour": 5, "minute": 51}
